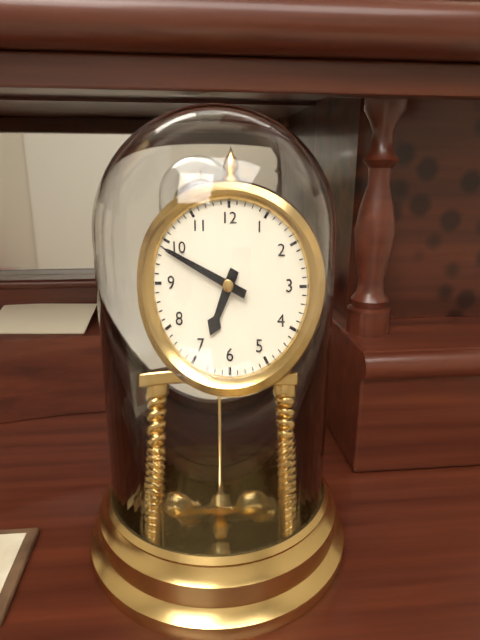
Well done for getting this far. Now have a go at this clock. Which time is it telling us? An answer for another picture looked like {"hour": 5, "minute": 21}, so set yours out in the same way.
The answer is {"hour": 6, "minute": 49}
